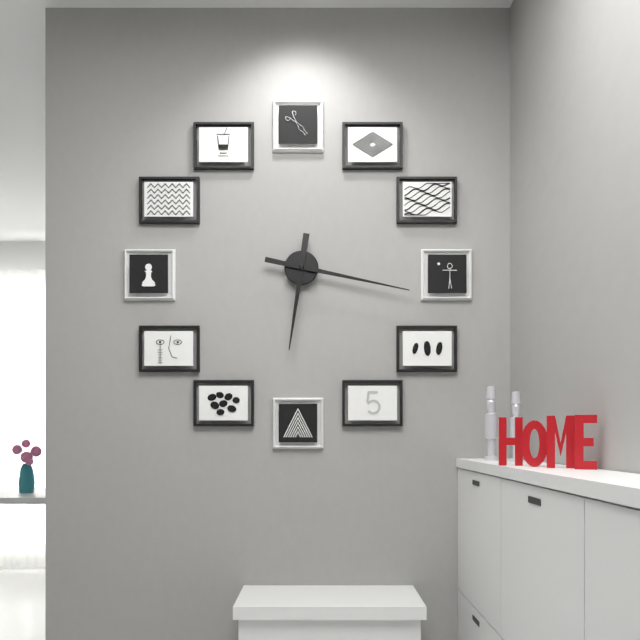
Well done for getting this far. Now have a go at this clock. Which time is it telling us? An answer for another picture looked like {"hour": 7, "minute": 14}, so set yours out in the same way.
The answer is {"hour": 6, "minute": 17}
